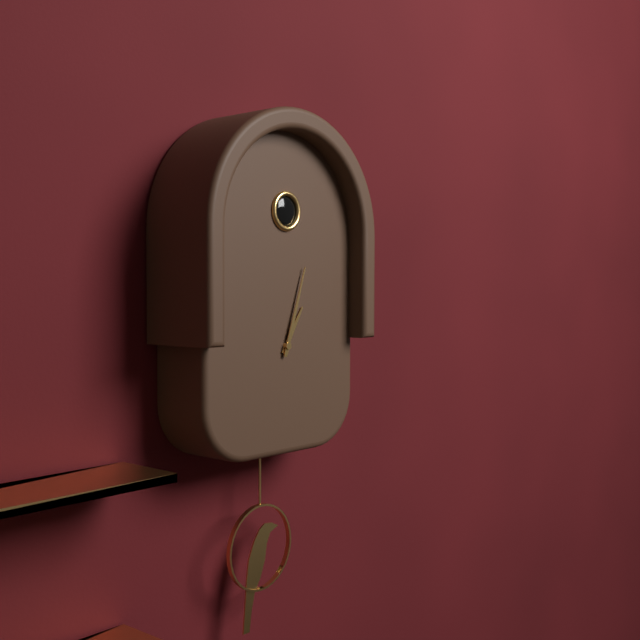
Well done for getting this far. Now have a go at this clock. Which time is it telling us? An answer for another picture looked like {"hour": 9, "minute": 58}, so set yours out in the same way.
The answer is {"hour": 1, "minute": 3}
